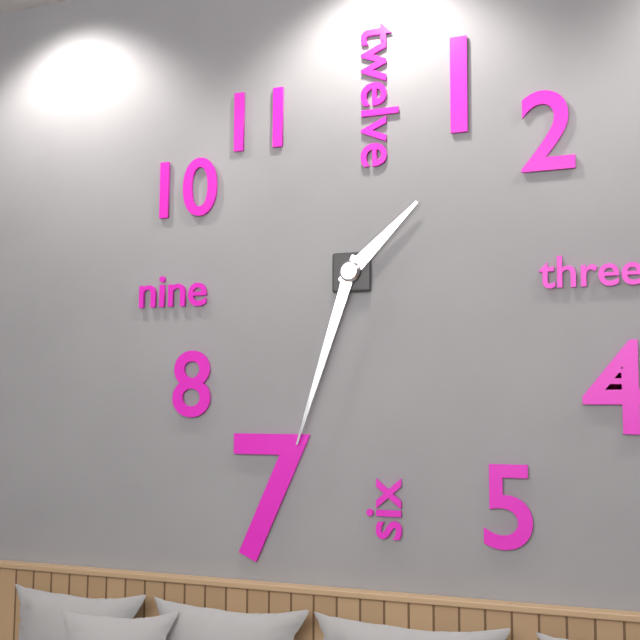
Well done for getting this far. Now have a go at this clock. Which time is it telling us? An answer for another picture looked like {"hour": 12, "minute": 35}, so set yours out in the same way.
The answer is {"hour": 1, "minute": 33}
